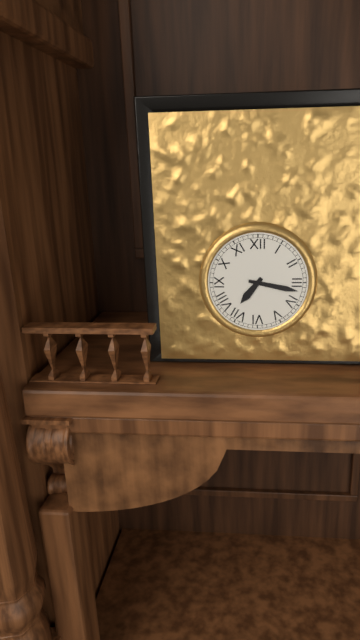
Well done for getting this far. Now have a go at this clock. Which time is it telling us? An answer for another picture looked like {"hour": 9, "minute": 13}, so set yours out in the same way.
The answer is {"hour": 7, "minute": 17}
